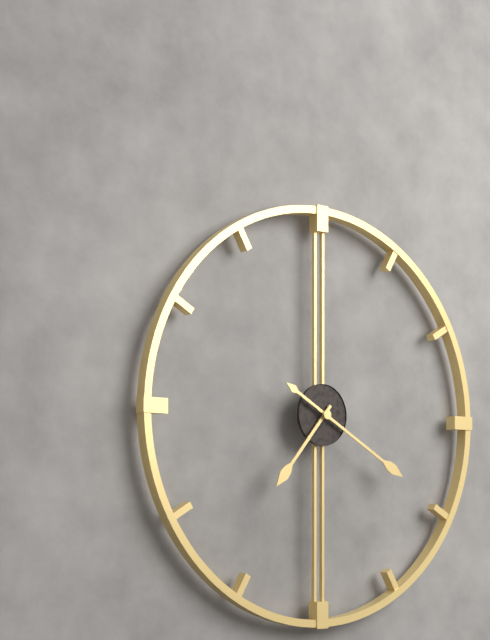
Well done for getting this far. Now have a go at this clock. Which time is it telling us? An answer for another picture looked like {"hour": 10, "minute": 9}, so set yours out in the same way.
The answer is {"hour": 7, "minute": 20}
